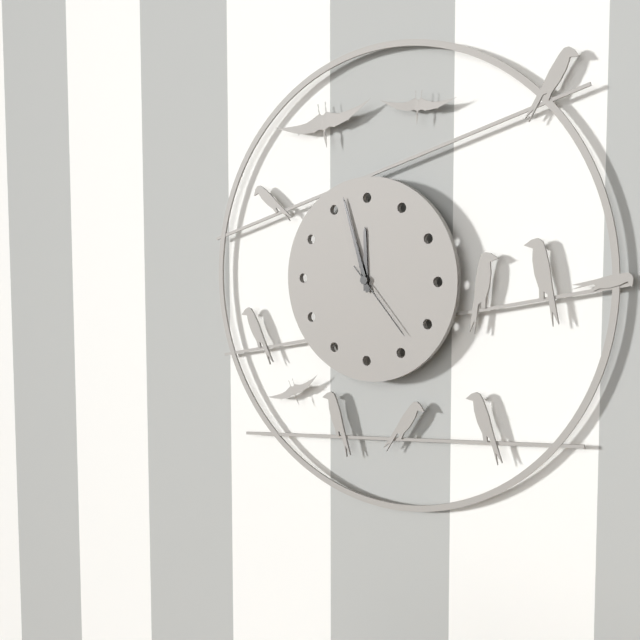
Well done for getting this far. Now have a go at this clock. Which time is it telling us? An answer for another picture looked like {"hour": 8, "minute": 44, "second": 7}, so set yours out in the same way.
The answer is {"hour": 11, "minute": 57, "second": 23}
